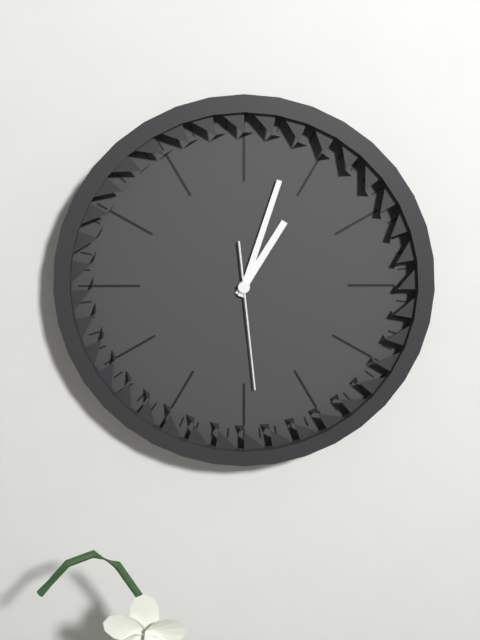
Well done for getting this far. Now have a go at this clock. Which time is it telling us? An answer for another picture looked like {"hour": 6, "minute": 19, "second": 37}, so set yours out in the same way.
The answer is {"hour": 1, "minute": 3, "second": 29}
